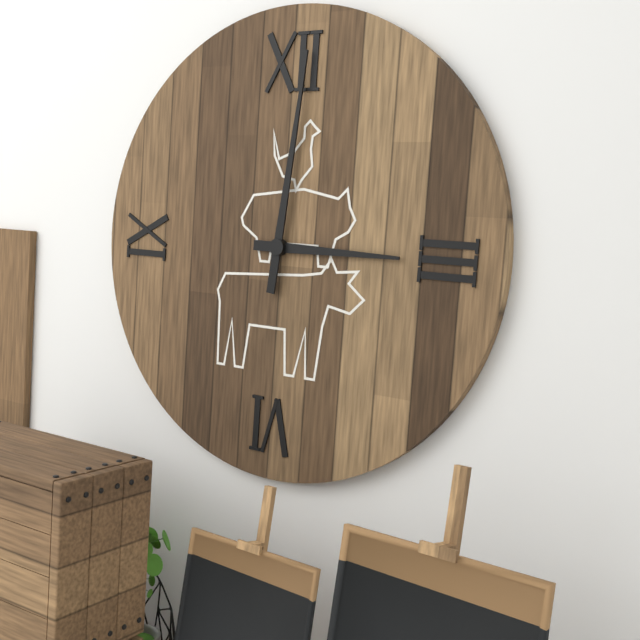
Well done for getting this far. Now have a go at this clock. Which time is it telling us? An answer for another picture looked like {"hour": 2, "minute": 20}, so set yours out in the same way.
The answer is {"hour": 3, "minute": 1}
